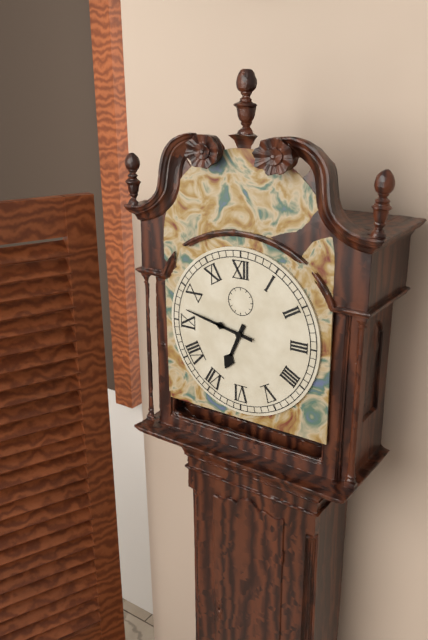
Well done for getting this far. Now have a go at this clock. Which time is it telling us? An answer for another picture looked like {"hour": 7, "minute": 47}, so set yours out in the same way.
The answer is {"hour": 6, "minute": 47}
